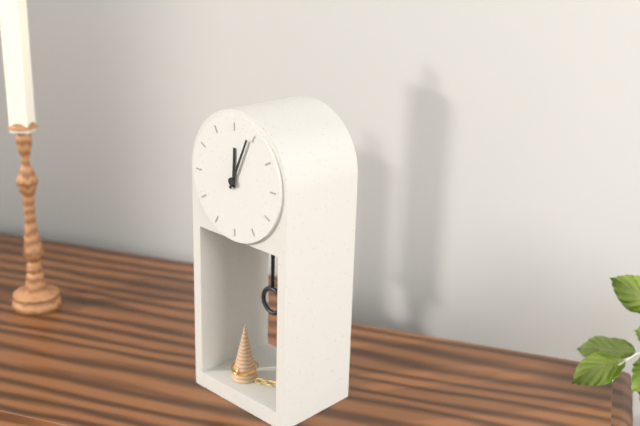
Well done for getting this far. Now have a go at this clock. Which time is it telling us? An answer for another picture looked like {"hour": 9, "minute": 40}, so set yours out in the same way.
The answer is {"hour": 12, "minute": 4}
